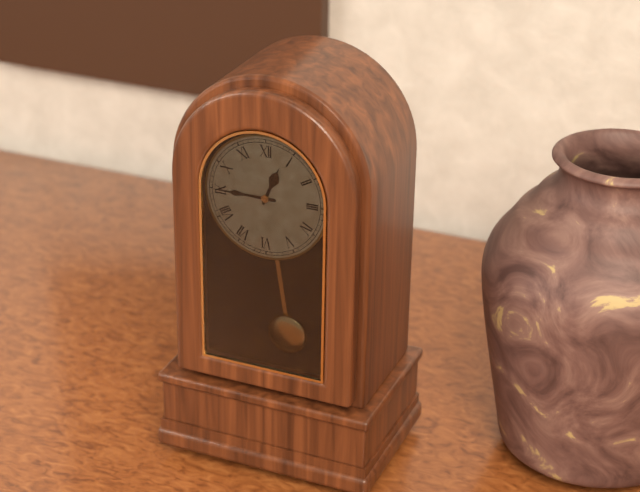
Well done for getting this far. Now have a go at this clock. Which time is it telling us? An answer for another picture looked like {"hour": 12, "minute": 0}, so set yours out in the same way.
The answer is {"hour": 12, "minute": 45}
